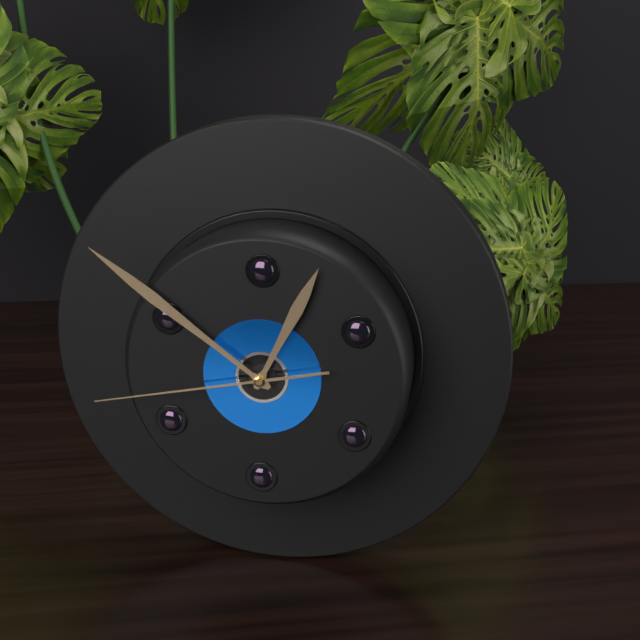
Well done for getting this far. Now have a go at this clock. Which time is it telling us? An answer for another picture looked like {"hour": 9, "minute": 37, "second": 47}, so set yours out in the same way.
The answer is {"hour": 12, "minute": 51, "second": 43}
